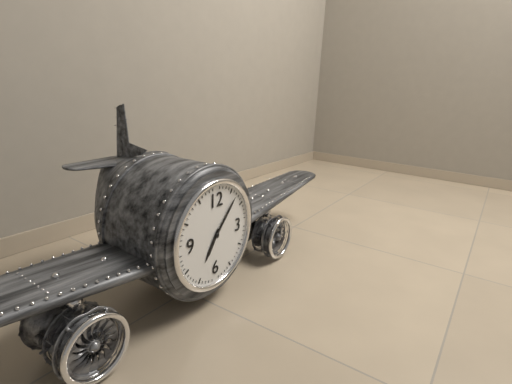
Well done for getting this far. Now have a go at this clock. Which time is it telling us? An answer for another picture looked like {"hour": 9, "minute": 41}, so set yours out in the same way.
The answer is {"hour": 7, "minute": 7}
